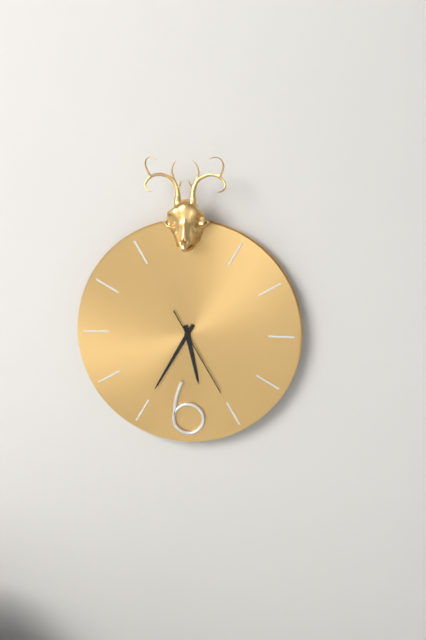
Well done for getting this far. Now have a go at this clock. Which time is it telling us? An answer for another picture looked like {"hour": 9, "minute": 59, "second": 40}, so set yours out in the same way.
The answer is {"hour": 5, "minute": 35, "second": 25}
